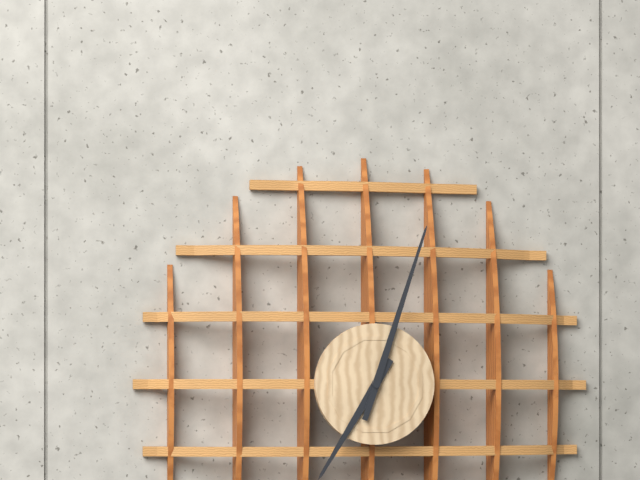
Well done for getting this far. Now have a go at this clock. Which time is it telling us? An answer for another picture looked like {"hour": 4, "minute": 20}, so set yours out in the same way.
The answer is {"hour": 7, "minute": 3}
